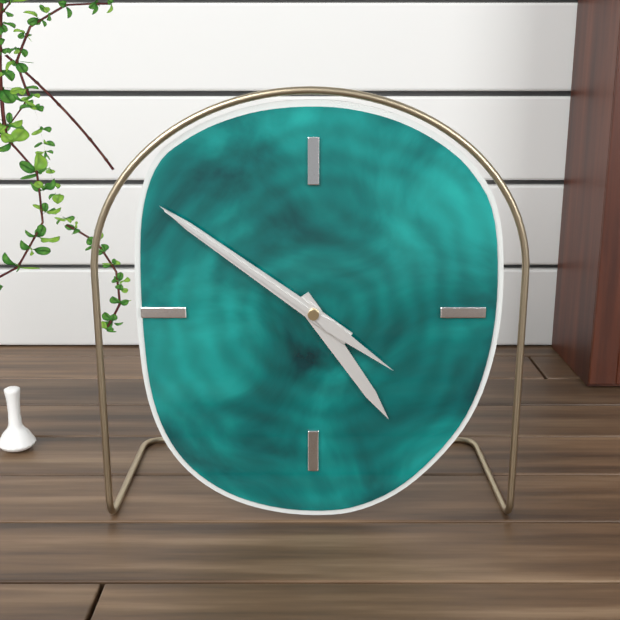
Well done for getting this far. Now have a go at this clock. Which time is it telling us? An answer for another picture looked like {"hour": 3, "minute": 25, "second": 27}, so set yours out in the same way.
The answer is {"hour": 4, "minute": 51, "second": 51}
